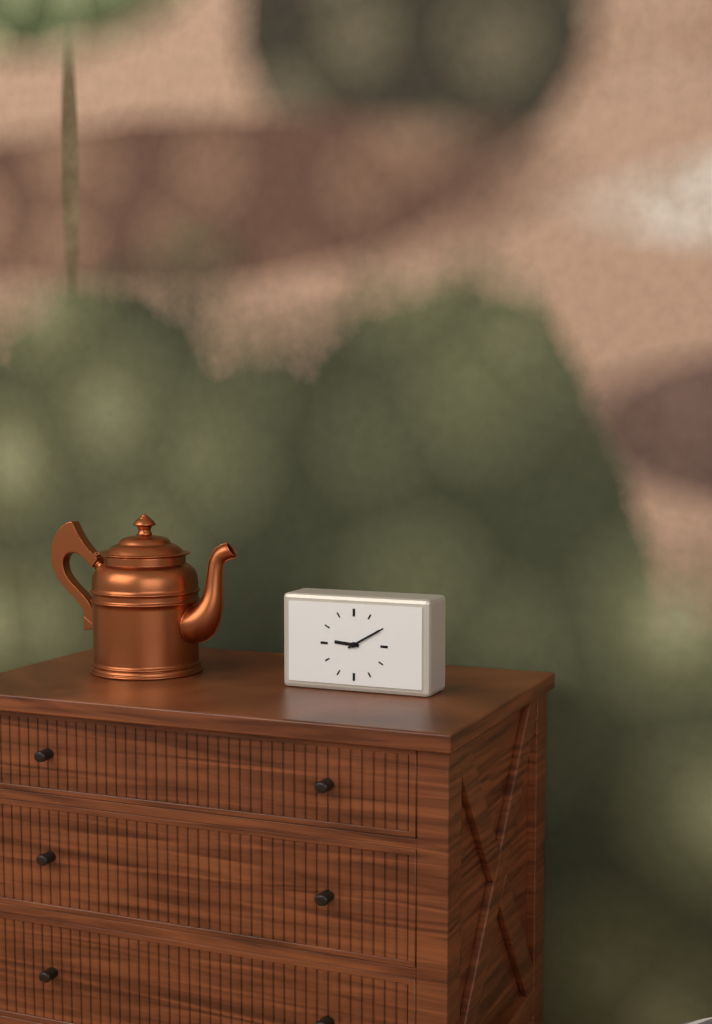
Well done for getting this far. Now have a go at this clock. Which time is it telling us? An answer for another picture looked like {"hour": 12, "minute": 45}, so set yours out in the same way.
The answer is {"hour": 9, "minute": 10}
